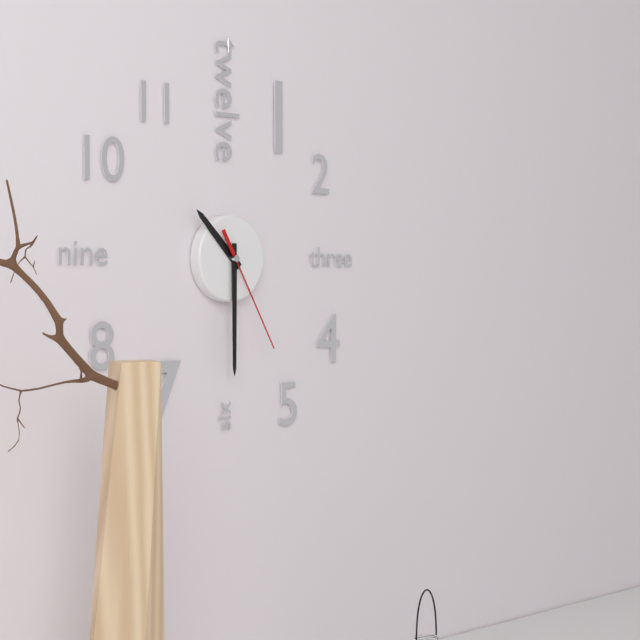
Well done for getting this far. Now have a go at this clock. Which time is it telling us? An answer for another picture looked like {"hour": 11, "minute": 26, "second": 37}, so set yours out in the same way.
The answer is {"hour": 10, "minute": 30, "second": 25}
